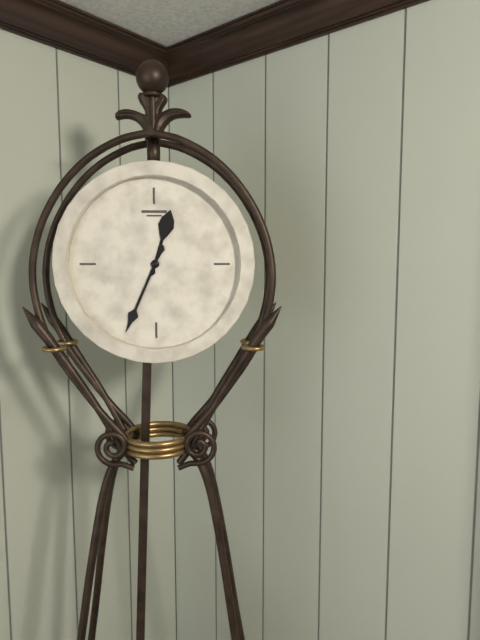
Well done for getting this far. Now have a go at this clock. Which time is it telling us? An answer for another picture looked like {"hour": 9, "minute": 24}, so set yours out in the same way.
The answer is {"hour": 12, "minute": 34}
